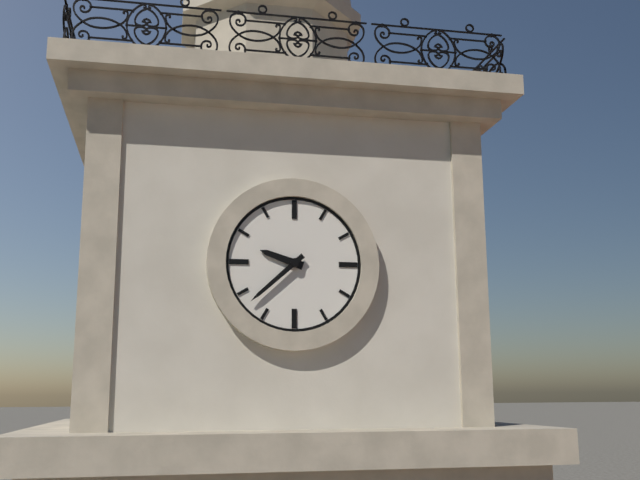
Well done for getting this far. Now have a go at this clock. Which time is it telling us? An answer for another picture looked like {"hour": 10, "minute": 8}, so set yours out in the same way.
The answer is {"hour": 9, "minute": 38}
